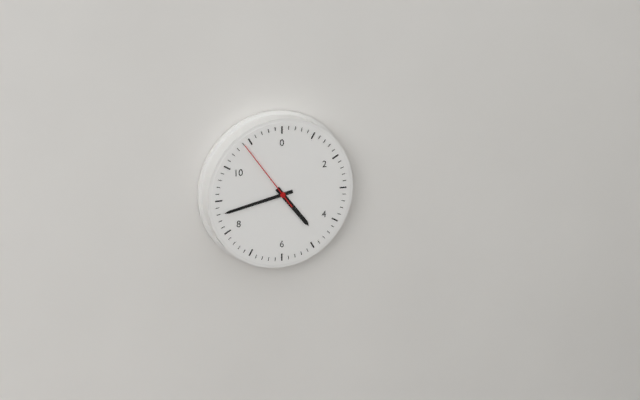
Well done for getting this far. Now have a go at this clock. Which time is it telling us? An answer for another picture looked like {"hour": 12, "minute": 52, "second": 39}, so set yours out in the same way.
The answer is {"hour": 4, "minute": 43, "second": 54}
